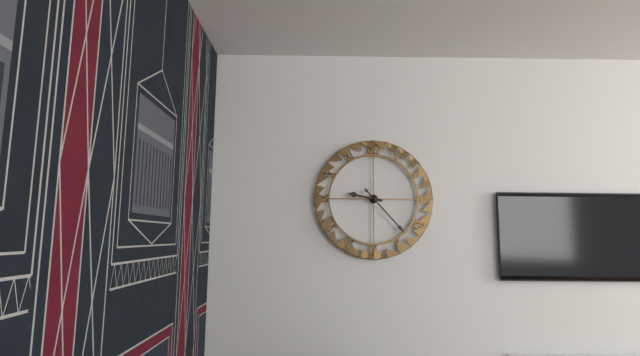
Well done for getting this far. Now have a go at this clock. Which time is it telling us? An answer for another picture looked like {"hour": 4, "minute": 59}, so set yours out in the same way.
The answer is {"hour": 9, "minute": 23}
